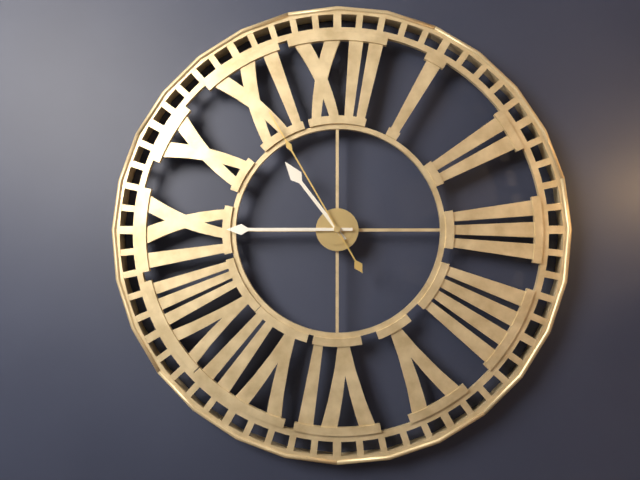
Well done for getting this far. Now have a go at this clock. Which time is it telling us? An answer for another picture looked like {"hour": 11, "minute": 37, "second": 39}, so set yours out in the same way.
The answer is {"hour": 10, "minute": 45, "second": 55}
